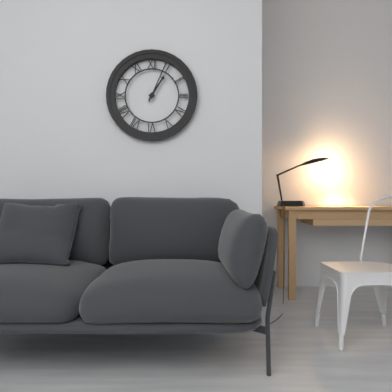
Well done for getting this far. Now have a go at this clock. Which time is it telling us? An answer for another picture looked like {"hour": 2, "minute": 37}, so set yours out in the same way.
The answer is {"hour": 1, "minute": 4}
